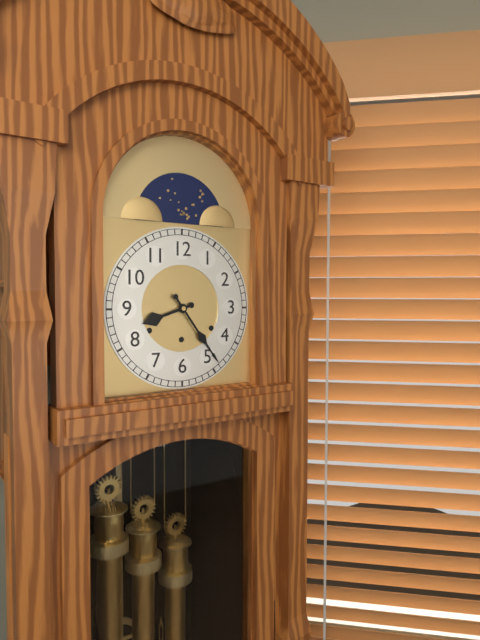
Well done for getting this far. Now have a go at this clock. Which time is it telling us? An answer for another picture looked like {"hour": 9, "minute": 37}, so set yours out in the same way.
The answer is {"hour": 8, "minute": 24}
